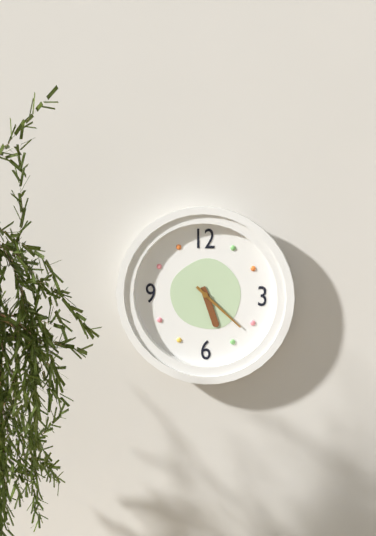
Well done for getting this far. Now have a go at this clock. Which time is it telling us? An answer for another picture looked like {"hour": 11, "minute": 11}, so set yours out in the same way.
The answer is {"hour": 5, "minute": 22}
